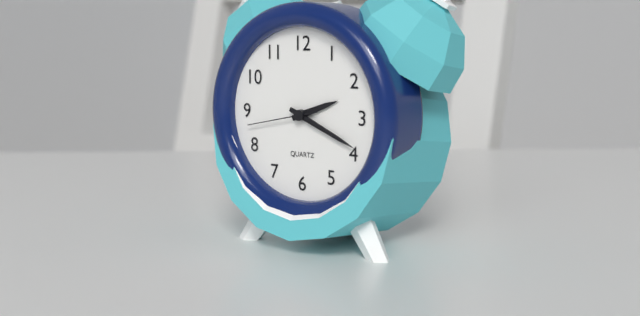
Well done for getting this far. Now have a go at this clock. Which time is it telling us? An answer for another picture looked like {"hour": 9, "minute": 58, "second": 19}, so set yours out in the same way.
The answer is {"hour": 2, "minute": 19, "second": 43}
